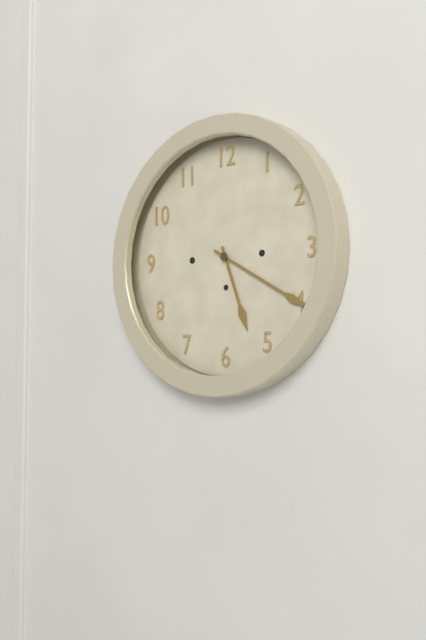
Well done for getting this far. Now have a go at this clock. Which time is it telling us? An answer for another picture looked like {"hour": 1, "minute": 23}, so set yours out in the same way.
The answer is {"hour": 5, "minute": 20}
